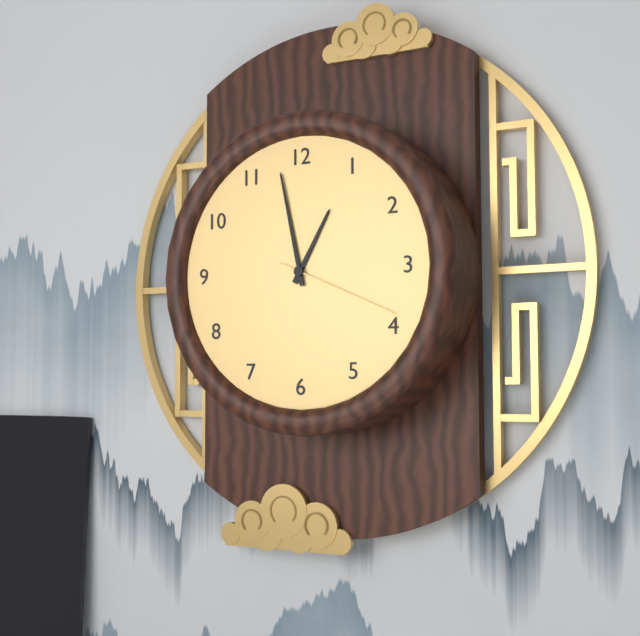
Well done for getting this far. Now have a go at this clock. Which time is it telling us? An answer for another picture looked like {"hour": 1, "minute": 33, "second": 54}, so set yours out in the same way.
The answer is {"hour": 12, "minute": 58, "second": 19}
